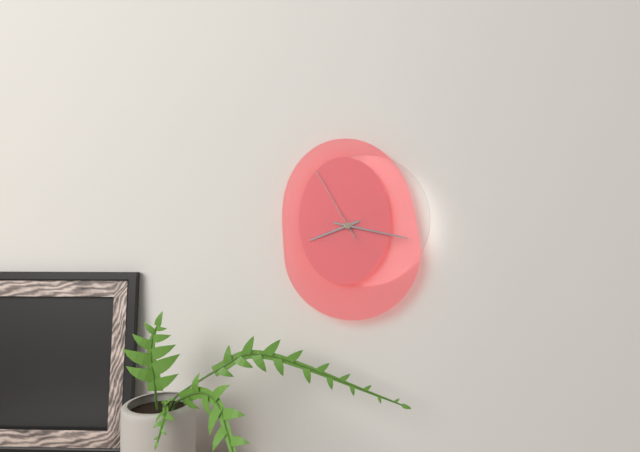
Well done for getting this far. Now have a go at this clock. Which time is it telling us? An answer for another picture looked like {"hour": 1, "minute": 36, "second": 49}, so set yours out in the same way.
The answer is {"hour": 8, "minute": 17, "second": 55}
